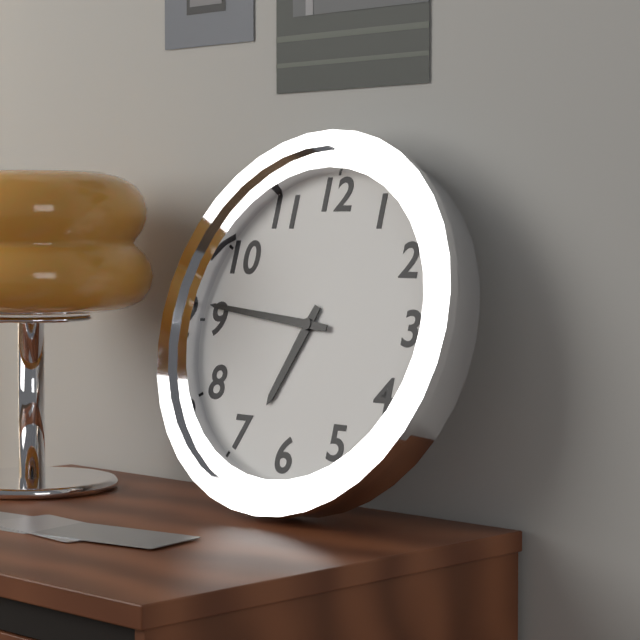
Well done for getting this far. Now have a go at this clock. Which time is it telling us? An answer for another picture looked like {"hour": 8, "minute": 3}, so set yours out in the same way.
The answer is {"hour": 6, "minute": 46}
